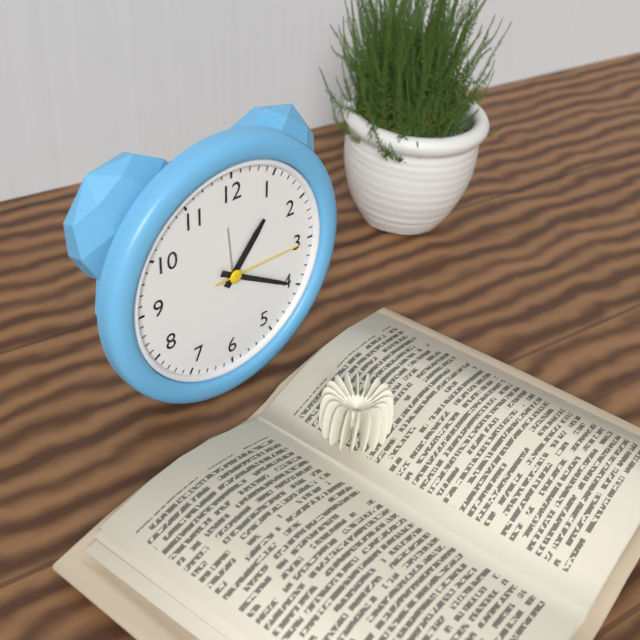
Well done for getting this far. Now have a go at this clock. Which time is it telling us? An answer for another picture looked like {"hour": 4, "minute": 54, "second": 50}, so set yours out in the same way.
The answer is {"hour": 1, "minute": 20, "second": 15}
